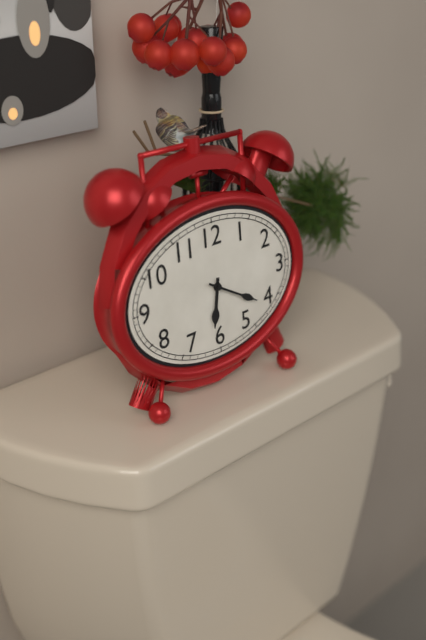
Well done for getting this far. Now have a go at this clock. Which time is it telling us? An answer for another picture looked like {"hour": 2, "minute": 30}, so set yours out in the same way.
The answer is {"hour": 6, "minute": 20}
